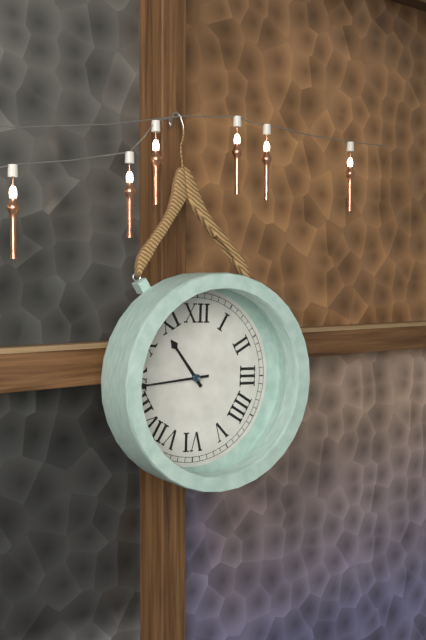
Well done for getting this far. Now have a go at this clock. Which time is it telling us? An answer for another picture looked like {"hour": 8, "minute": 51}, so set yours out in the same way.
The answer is {"hour": 10, "minute": 44}
